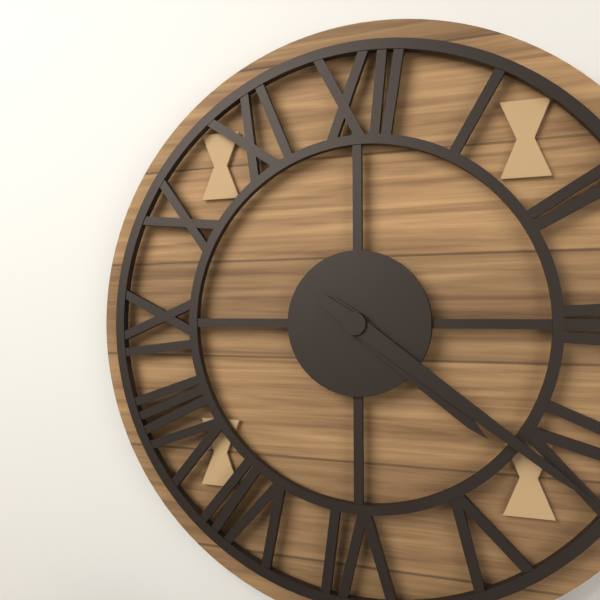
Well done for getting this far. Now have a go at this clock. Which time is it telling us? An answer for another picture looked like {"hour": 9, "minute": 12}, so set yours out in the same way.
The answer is {"hour": 4, "minute": 21}
